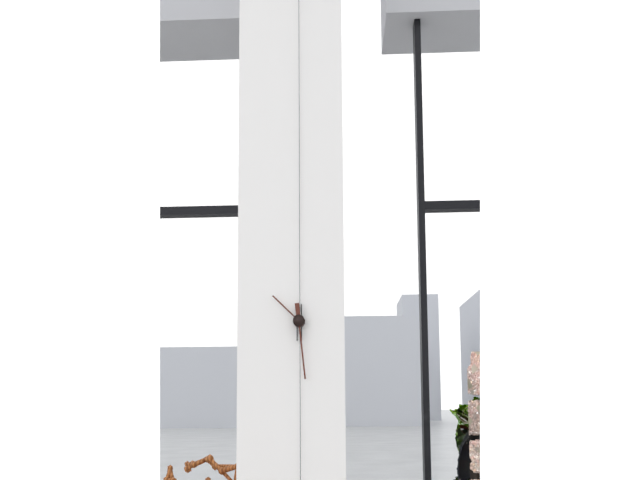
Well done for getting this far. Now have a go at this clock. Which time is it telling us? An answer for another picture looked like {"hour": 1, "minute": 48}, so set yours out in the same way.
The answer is {"hour": 10, "minute": 29}
